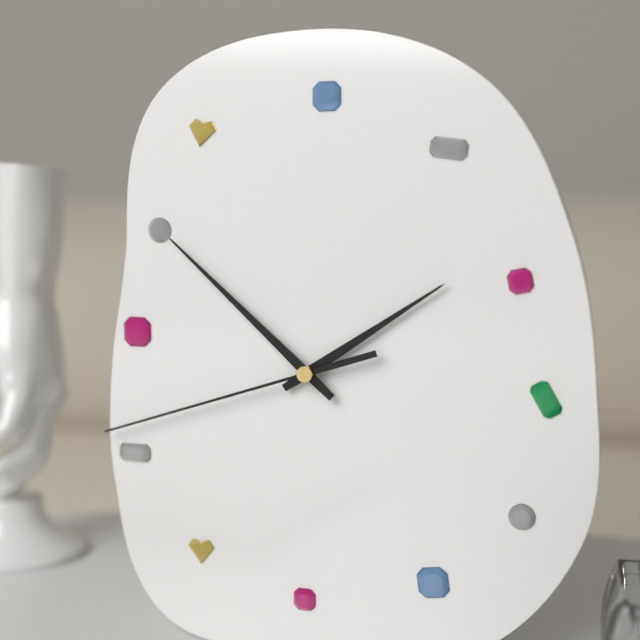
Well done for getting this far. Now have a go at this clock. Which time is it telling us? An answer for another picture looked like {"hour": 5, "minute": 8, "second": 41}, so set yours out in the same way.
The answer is {"hour": 1, "minute": 52, "second": 42}
